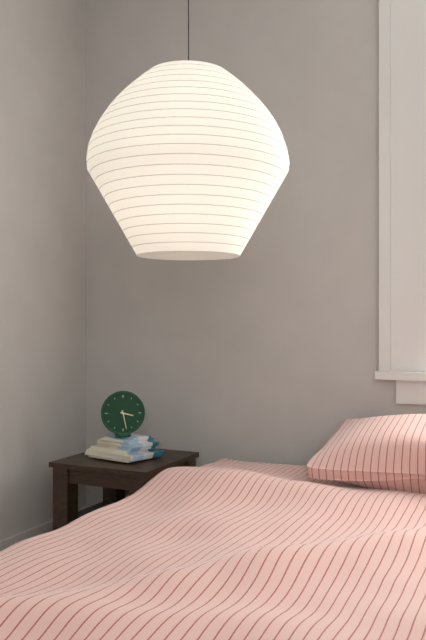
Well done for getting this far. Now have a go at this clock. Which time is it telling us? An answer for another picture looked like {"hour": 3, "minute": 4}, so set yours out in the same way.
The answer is {"hour": 3, "minute": 28}
